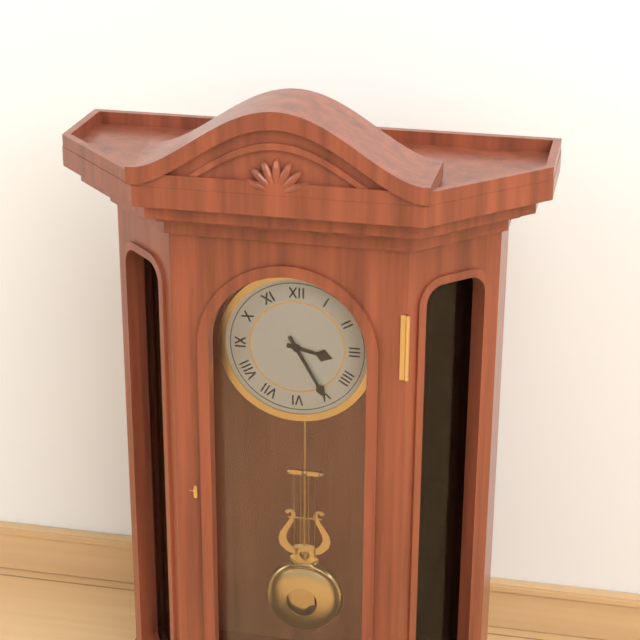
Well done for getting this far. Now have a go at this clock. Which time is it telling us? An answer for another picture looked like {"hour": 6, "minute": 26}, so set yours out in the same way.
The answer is {"hour": 3, "minute": 25}
